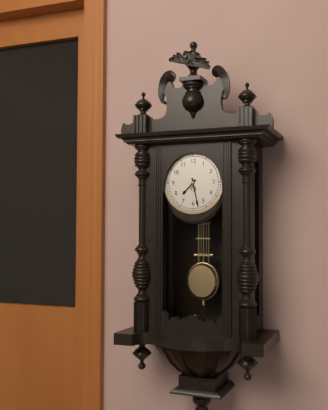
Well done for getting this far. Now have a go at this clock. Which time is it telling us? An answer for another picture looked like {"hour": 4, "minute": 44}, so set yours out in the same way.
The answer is {"hour": 7, "minute": 28}
